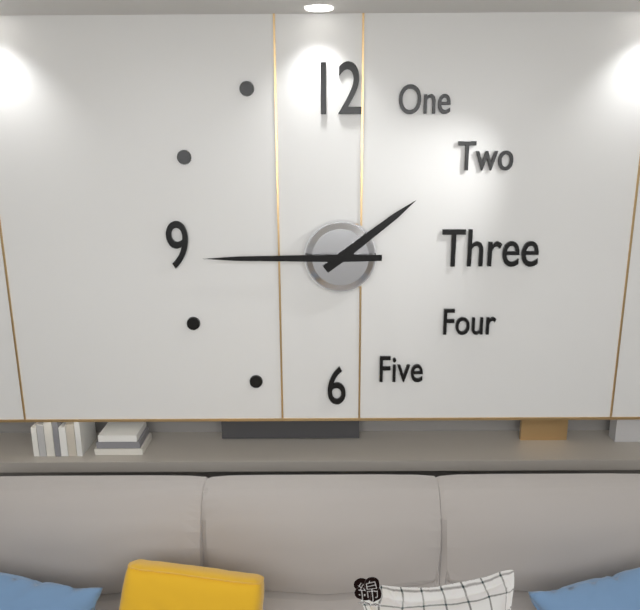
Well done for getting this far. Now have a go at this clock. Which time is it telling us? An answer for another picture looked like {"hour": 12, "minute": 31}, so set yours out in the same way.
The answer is {"hour": 1, "minute": 45}
